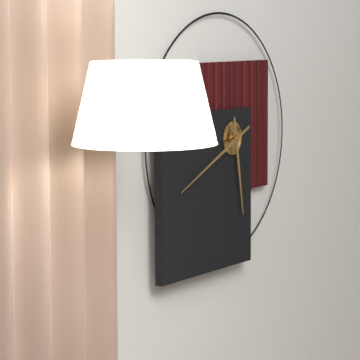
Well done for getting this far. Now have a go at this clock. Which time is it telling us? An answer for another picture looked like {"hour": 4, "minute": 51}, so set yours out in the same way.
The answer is {"hour": 5, "minute": 41}
